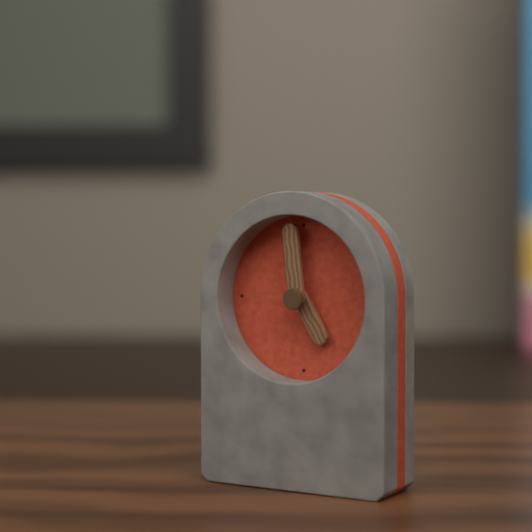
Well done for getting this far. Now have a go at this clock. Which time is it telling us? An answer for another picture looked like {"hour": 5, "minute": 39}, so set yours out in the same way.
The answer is {"hour": 4, "minute": 59}
